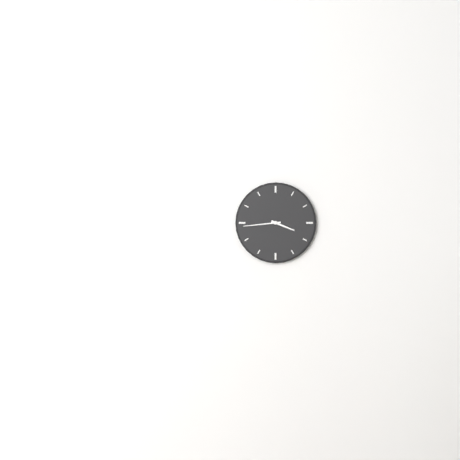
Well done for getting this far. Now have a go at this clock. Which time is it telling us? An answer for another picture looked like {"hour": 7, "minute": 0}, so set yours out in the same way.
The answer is {"hour": 3, "minute": 44}
